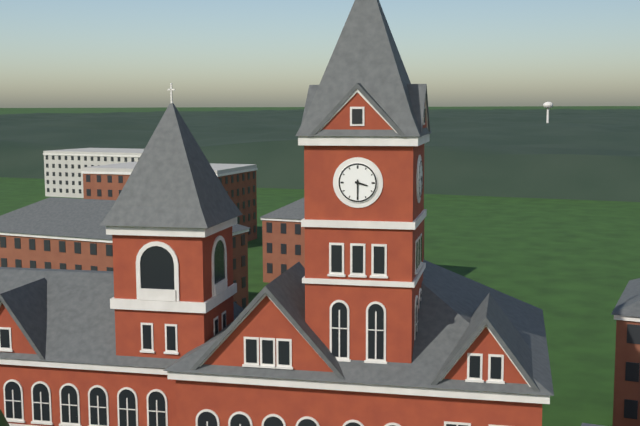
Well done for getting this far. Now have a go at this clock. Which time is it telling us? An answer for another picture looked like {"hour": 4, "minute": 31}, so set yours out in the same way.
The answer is {"hour": 3, "minute": 30}
